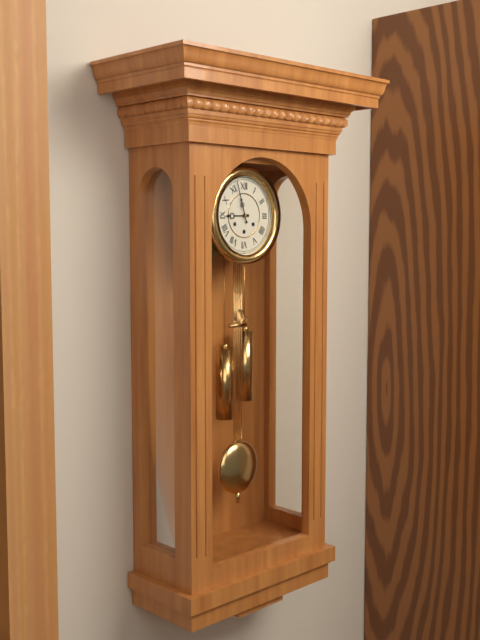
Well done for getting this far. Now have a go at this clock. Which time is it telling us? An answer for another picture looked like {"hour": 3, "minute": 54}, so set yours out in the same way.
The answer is {"hour": 8, "minute": 57}
